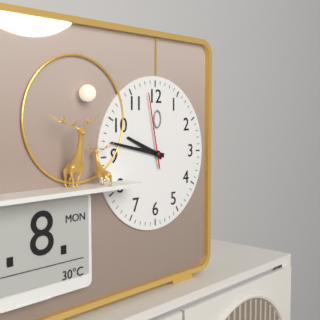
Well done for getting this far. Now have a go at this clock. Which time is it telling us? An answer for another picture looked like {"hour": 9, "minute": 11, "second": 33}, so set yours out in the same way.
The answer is {"hour": 9, "minute": 47, "second": 58}
